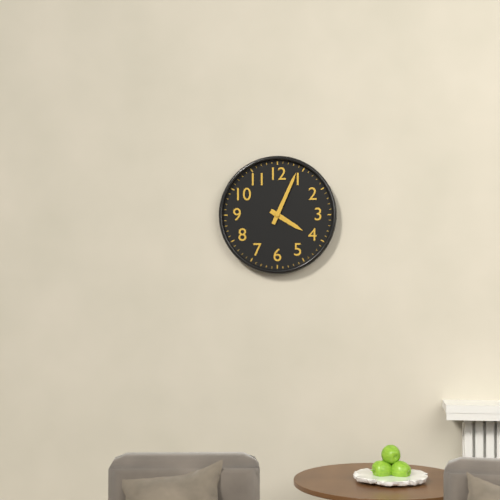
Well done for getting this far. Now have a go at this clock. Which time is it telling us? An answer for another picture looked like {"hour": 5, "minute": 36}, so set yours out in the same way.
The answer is {"hour": 4, "minute": 4}
